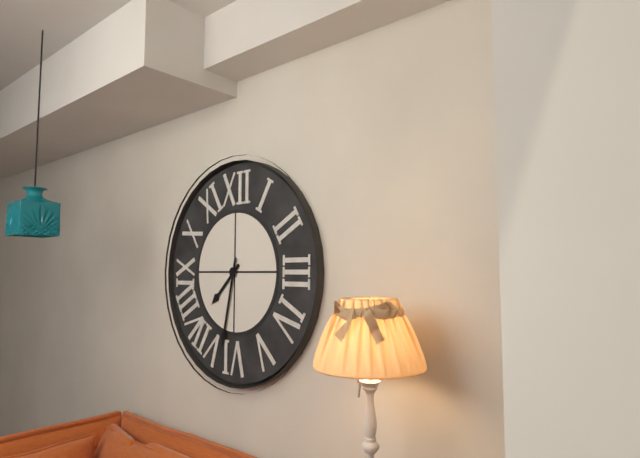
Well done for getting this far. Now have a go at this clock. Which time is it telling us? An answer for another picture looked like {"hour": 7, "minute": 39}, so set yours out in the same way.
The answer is {"hour": 7, "minute": 32}
